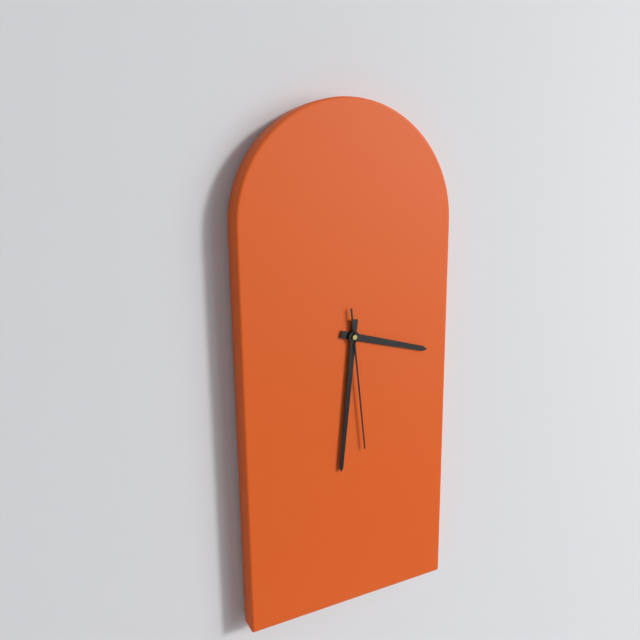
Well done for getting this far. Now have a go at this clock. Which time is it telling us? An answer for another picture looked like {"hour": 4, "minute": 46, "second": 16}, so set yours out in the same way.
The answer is {"hour": 3, "minute": 31, "second": 29}
